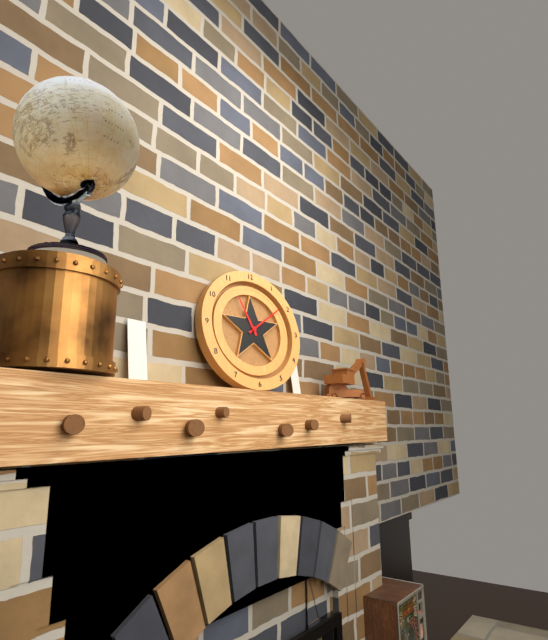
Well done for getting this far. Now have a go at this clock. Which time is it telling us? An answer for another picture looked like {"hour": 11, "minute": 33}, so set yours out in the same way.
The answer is {"hour": 11, "minute": 9}
